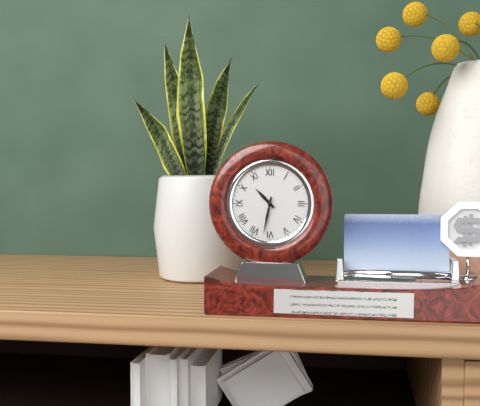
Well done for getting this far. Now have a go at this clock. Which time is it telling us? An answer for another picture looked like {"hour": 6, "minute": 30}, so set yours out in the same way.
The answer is {"hour": 10, "minute": 32}
